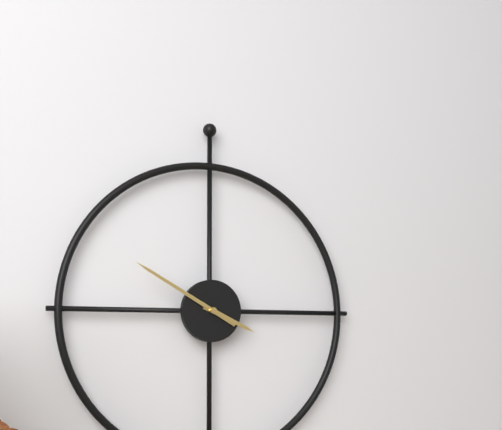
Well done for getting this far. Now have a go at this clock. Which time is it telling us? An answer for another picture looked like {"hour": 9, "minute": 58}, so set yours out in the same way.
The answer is {"hour": 3, "minute": 50}
